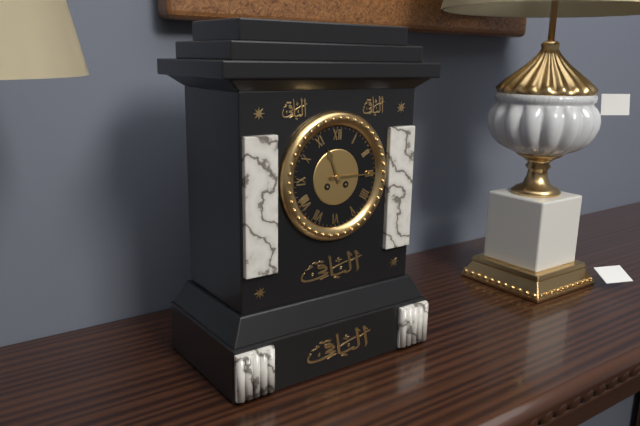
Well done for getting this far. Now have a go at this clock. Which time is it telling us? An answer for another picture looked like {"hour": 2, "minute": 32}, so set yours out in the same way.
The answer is {"hour": 11, "minute": 15}
